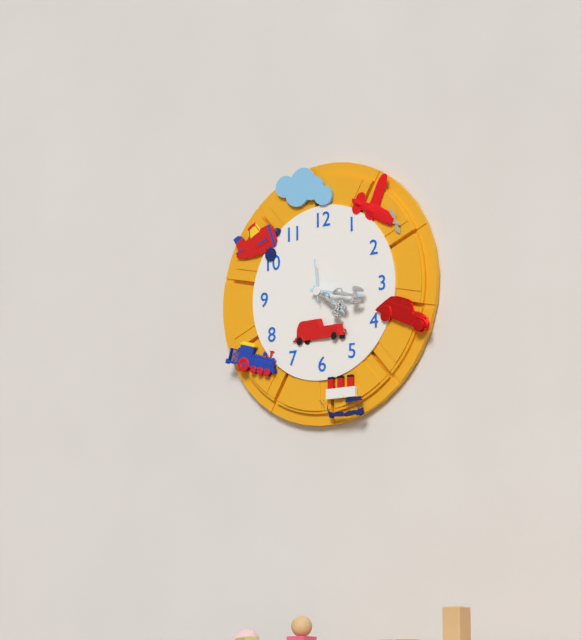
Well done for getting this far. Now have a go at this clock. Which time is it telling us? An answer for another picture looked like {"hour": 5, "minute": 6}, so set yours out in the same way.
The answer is {"hour": 4, "minute": 17}
